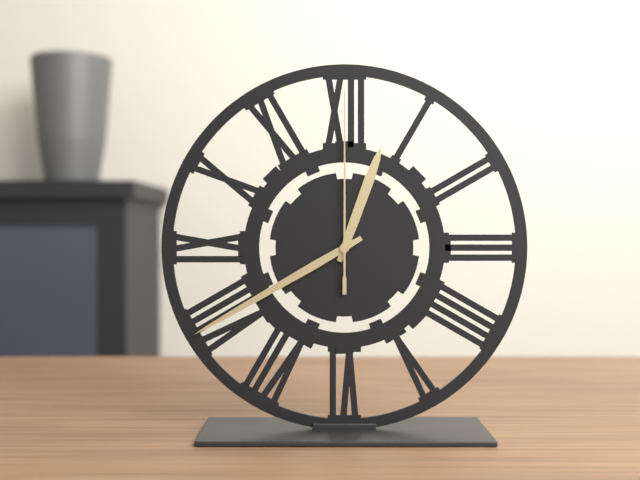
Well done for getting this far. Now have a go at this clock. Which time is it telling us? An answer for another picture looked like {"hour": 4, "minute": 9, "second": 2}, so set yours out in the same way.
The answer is {"hour": 12, "minute": 40, "second": 0}
